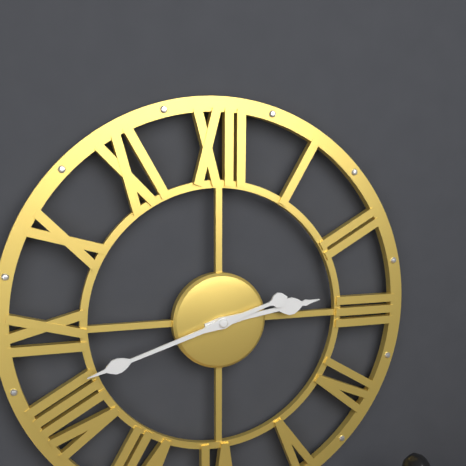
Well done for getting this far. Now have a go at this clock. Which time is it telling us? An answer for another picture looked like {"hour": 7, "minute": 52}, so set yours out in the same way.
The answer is {"hour": 2, "minute": 42}
